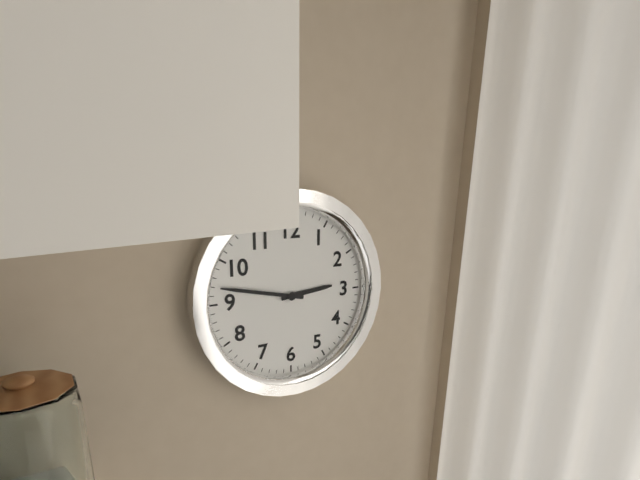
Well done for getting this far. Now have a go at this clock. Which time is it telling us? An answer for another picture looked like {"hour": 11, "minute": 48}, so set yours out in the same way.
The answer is {"hour": 2, "minute": 47}
